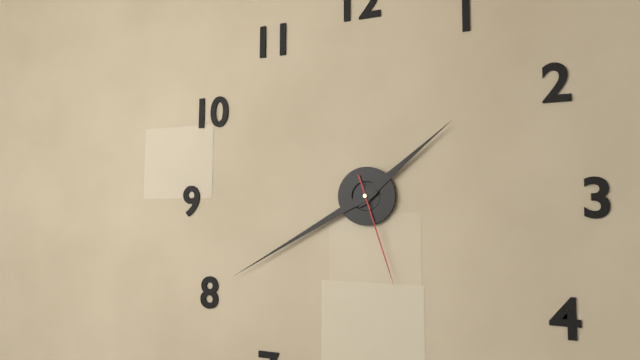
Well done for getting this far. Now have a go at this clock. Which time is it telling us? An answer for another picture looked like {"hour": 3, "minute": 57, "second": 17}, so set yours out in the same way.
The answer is {"hour": 1, "minute": 40, "second": 27}
